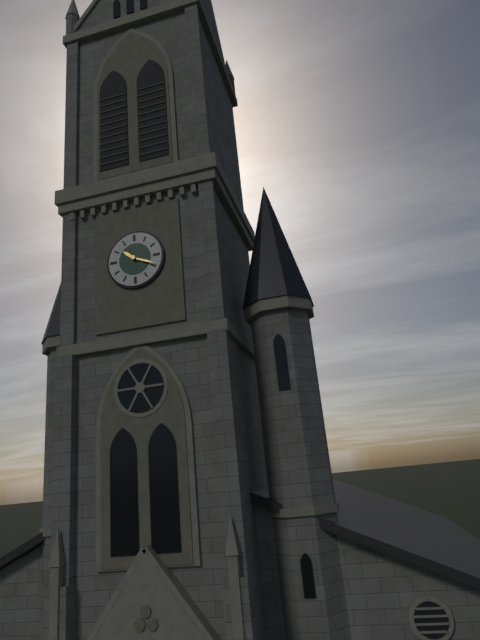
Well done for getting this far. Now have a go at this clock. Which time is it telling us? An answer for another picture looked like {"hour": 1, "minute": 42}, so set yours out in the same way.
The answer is {"hour": 10, "minute": 19}
